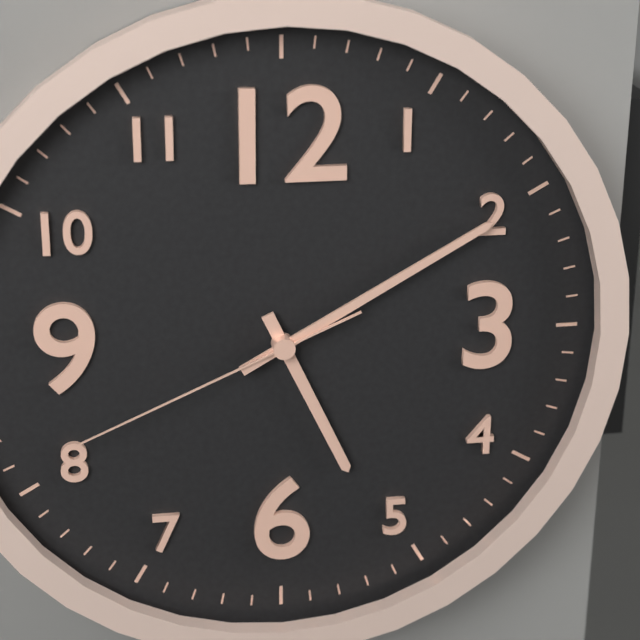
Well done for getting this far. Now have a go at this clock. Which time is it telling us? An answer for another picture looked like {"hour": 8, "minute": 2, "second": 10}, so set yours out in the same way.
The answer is {"hour": 5, "minute": 10, "second": 41}
